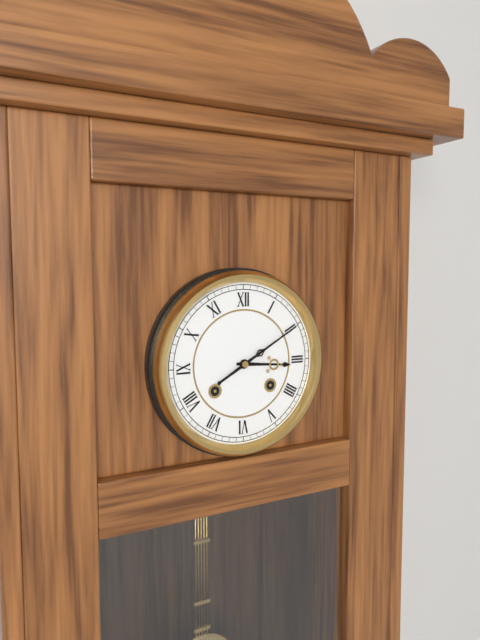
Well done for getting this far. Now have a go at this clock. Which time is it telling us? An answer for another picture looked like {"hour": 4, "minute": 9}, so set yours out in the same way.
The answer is {"hour": 3, "minute": 10}
